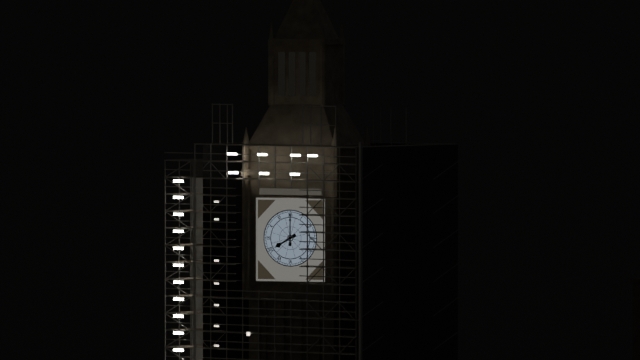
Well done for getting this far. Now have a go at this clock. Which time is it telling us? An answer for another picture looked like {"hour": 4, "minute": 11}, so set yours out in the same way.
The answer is {"hour": 8, "minute": 0}
